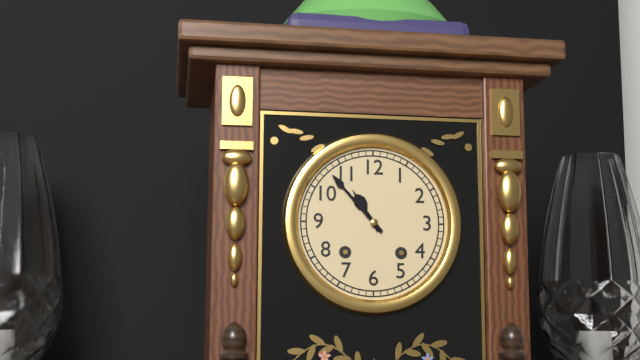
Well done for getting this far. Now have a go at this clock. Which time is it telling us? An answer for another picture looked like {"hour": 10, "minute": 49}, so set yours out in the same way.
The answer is {"hour": 10, "minute": 53}
